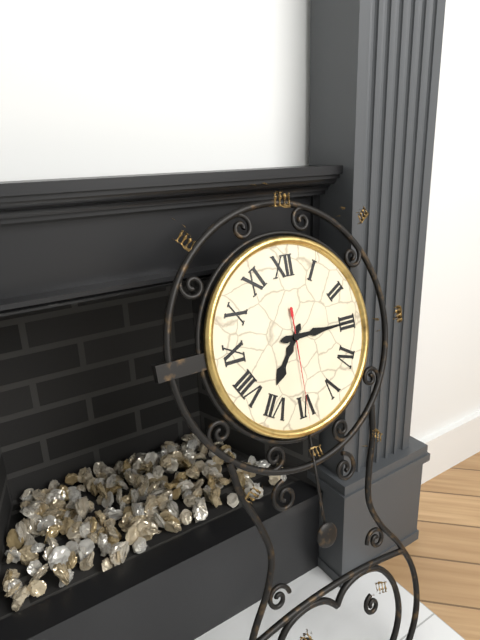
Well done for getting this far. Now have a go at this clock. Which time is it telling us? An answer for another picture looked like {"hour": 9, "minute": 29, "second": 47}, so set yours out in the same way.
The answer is {"hour": 7, "minute": 15, "second": 30}
